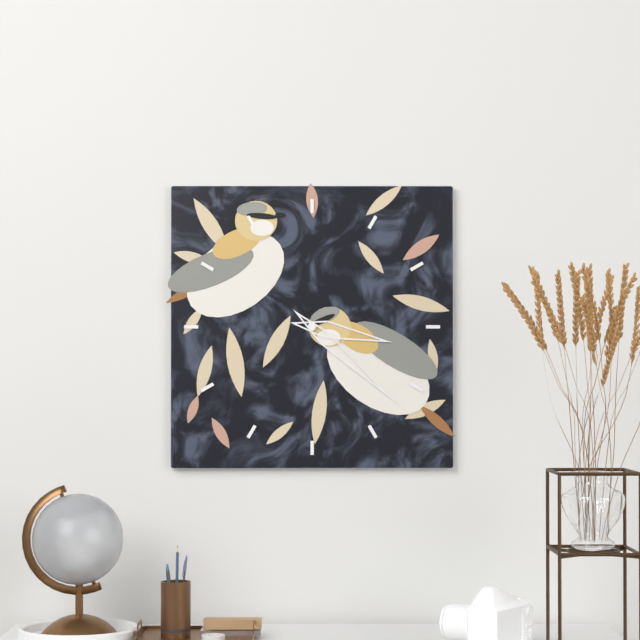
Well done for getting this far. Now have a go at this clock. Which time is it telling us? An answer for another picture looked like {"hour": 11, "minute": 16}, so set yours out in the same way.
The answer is {"hour": 3, "minute": 22}
